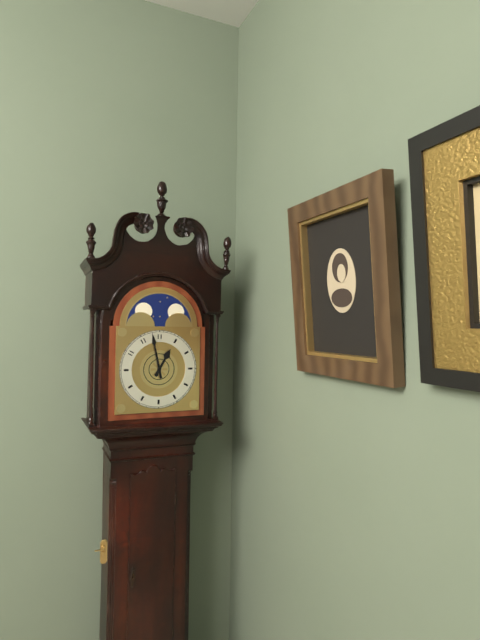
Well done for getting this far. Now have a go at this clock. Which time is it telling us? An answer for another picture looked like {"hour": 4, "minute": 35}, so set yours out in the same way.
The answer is {"hour": 12, "minute": 58}
